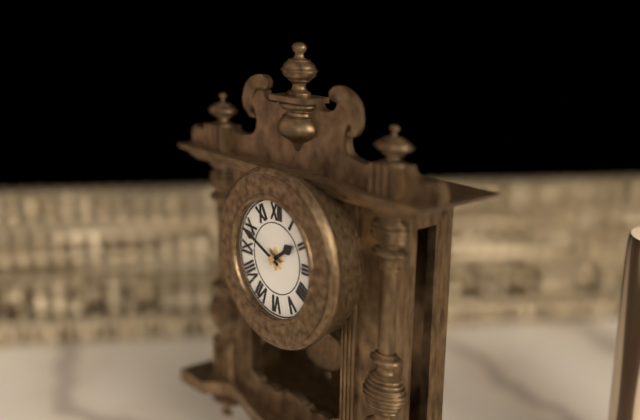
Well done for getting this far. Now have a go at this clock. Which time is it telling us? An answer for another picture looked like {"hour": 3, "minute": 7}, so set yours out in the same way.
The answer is {"hour": 1, "minute": 49}
